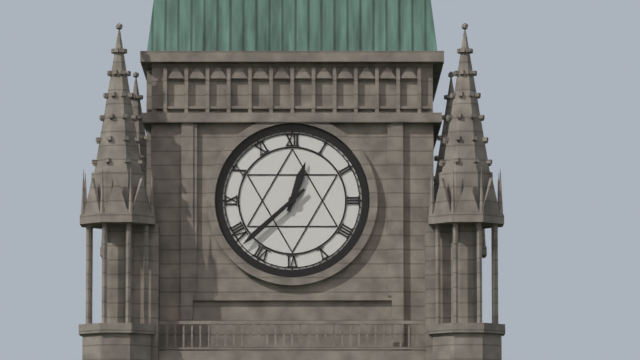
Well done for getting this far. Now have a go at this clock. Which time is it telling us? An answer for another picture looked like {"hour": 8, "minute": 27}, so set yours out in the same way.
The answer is {"hour": 12, "minute": 38}
